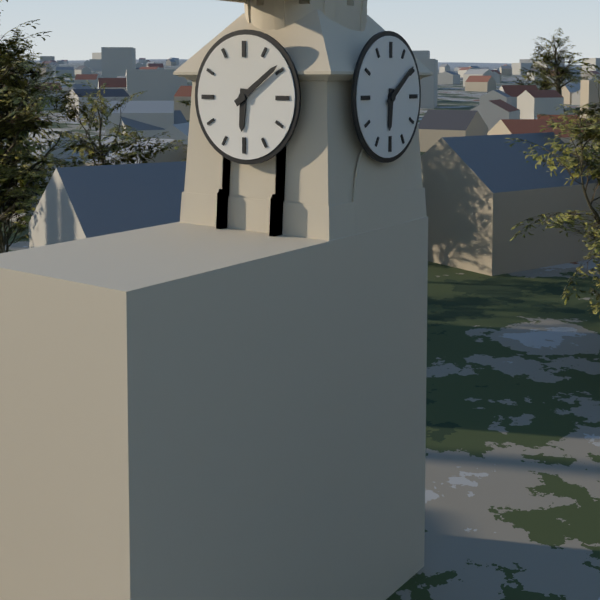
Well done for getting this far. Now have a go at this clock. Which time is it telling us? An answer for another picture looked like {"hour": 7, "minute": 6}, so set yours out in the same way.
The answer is {"hour": 6, "minute": 9}
